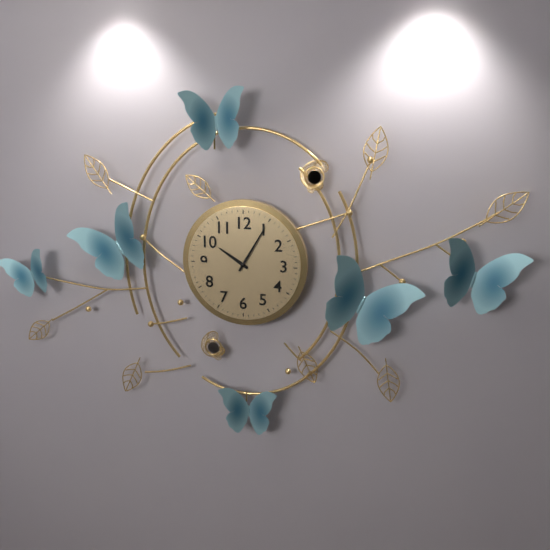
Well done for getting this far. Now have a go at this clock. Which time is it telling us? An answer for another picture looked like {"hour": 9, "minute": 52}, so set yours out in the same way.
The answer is {"hour": 10, "minute": 5}
